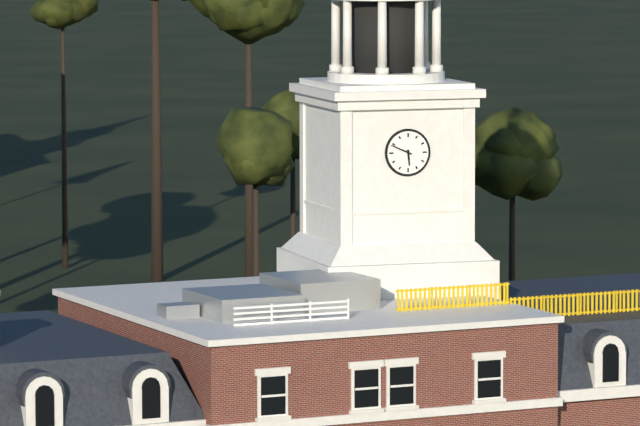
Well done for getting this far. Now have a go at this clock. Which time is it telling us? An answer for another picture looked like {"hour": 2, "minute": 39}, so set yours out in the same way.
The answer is {"hour": 5, "minute": 49}
